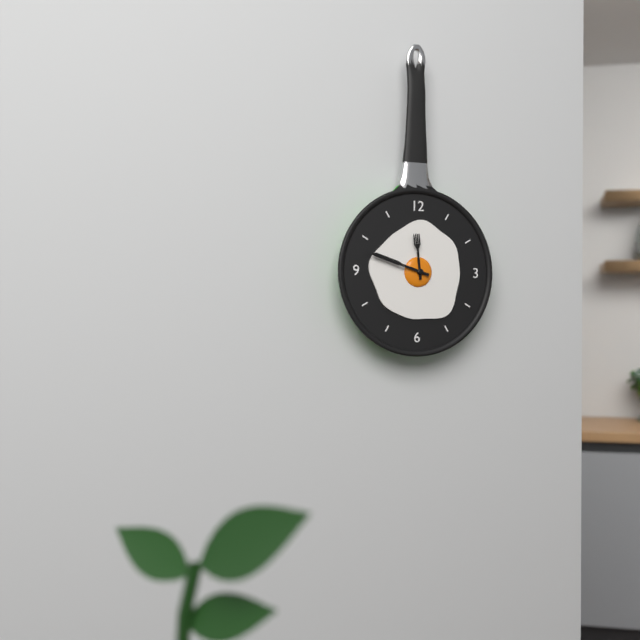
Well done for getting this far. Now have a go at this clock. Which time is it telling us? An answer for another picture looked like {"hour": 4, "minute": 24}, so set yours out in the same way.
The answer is {"hour": 11, "minute": 48}
